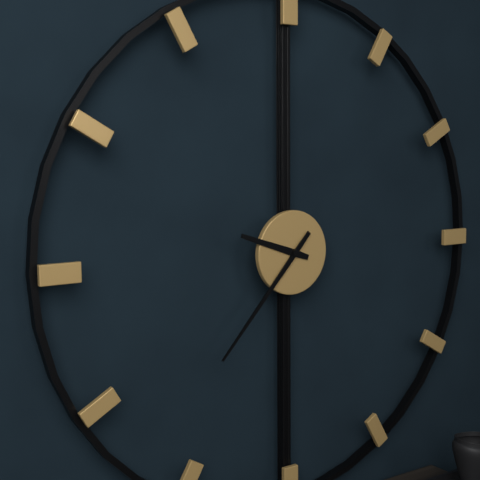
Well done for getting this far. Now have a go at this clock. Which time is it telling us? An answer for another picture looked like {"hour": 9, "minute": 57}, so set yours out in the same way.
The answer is {"hour": 9, "minute": 37}
